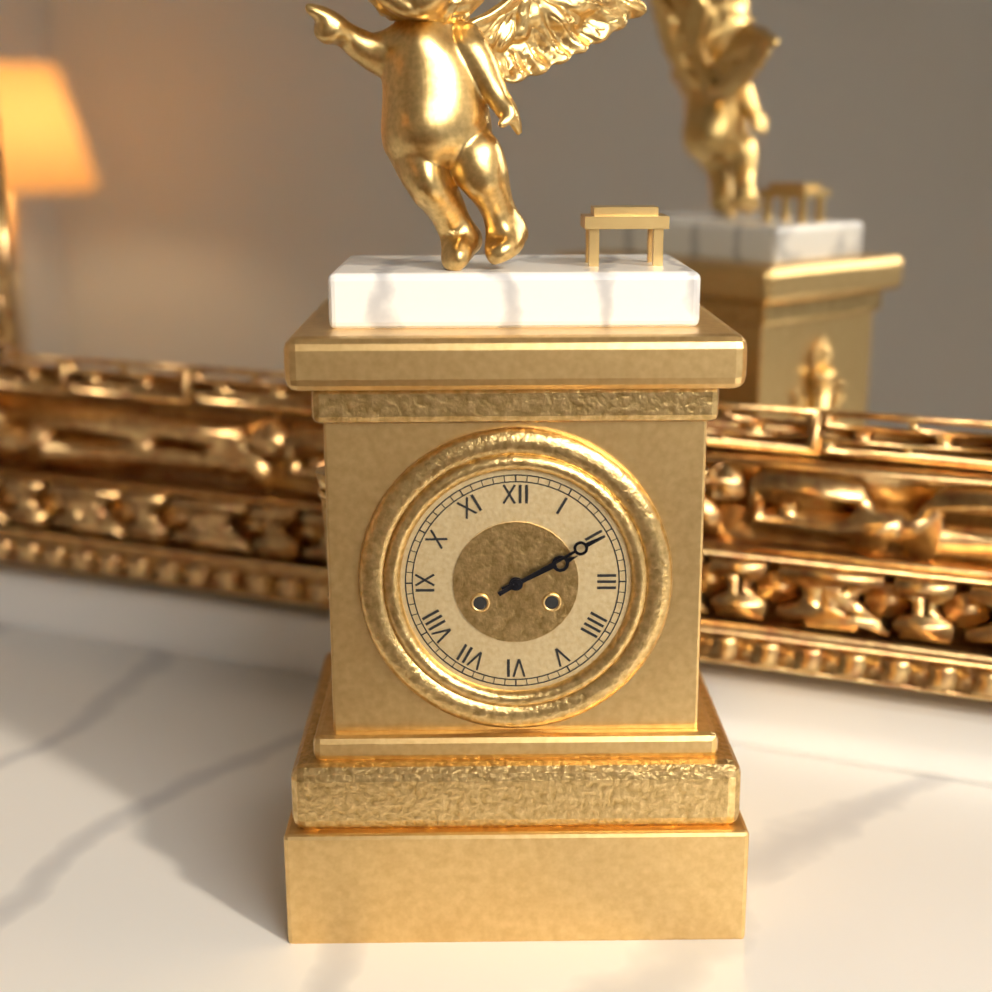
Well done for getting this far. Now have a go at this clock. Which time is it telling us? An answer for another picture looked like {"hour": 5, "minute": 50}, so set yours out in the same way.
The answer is {"hour": 2, "minute": 10}
